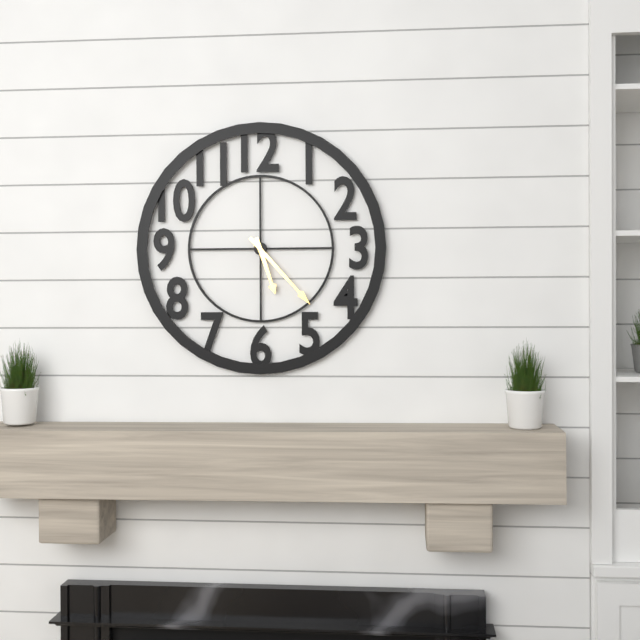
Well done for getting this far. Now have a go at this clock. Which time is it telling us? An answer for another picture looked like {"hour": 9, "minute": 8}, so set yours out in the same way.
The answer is {"hour": 5, "minute": 23}
